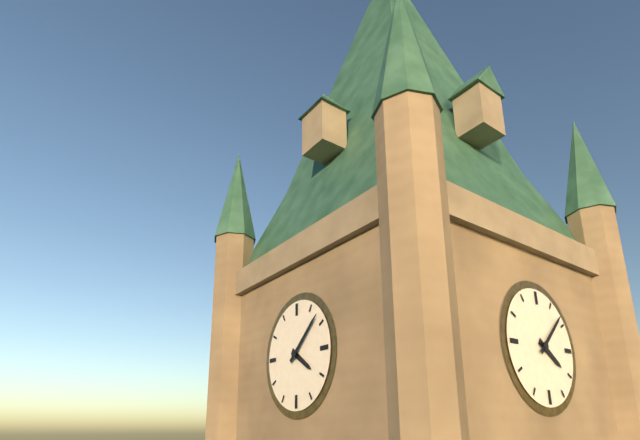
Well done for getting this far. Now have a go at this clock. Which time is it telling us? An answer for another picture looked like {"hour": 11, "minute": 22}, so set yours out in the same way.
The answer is {"hour": 4, "minute": 8}
